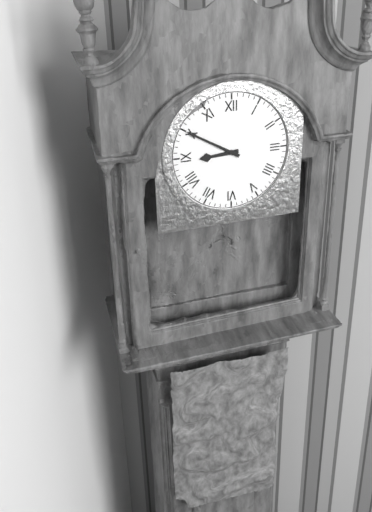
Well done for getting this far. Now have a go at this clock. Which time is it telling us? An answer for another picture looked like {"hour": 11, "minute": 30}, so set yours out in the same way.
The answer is {"hour": 8, "minute": 50}
